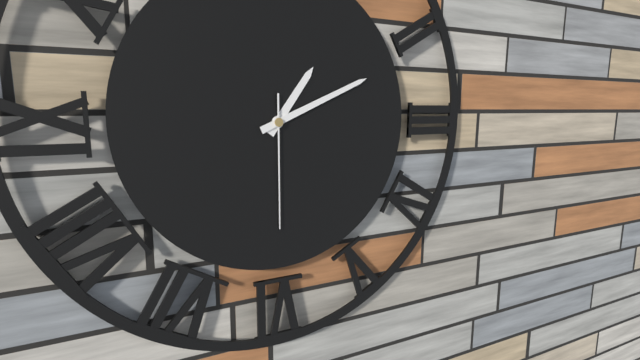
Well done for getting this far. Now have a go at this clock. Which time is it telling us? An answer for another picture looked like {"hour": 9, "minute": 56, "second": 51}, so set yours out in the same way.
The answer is {"hour": 1, "minute": 11, "second": 30}
